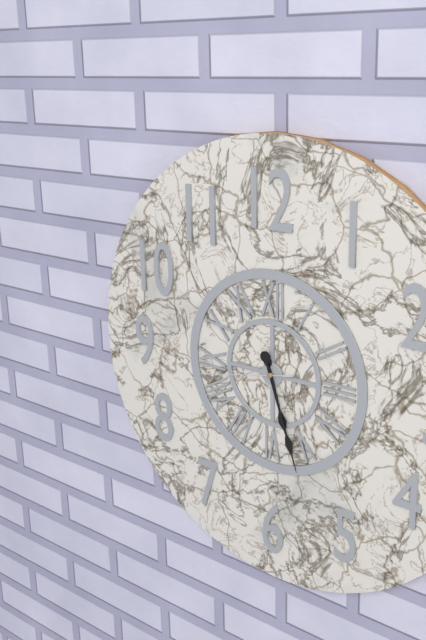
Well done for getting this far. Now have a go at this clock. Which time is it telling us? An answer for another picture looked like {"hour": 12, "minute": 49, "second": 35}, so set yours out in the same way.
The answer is {"hour": 5, "minute": 27, "second": 43}
